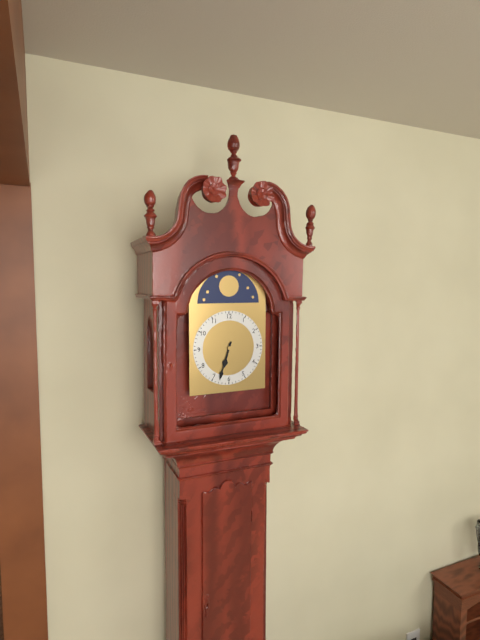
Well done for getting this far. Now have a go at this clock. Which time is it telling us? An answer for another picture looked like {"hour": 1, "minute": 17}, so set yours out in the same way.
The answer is {"hour": 6, "minute": 33}
